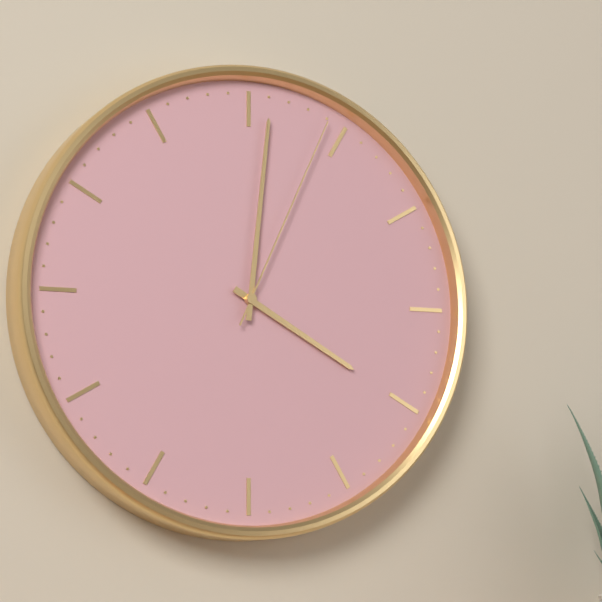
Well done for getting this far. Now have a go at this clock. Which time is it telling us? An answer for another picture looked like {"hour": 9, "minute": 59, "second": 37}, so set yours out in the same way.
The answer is {"hour": 4, "minute": 1, "second": 4}
